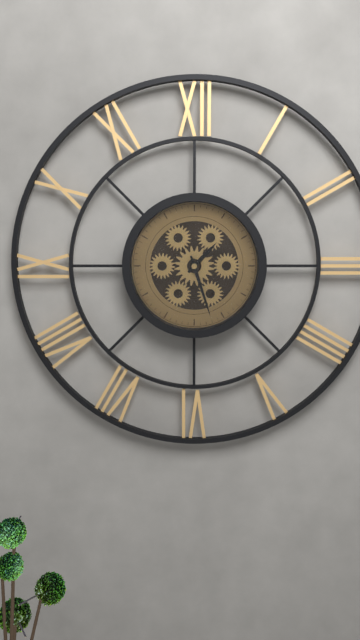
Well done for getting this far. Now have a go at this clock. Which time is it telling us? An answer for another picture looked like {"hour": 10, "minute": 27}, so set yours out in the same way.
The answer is {"hour": 1, "minute": 27}
